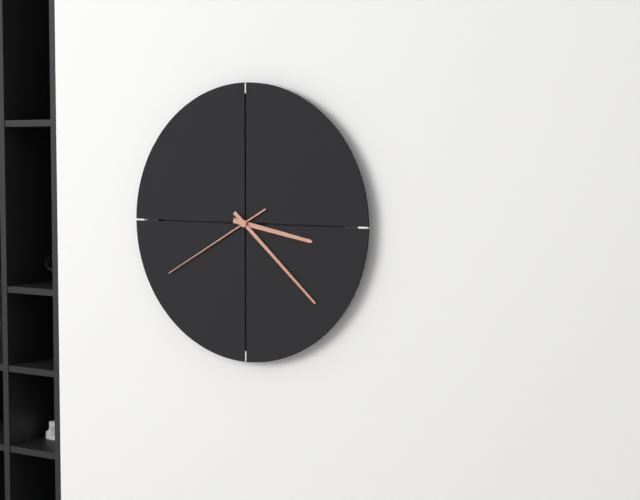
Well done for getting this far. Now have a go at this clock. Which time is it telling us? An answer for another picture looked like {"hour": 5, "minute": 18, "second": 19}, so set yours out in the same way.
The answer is {"hour": 3, "minute": 22, "second": 40}
